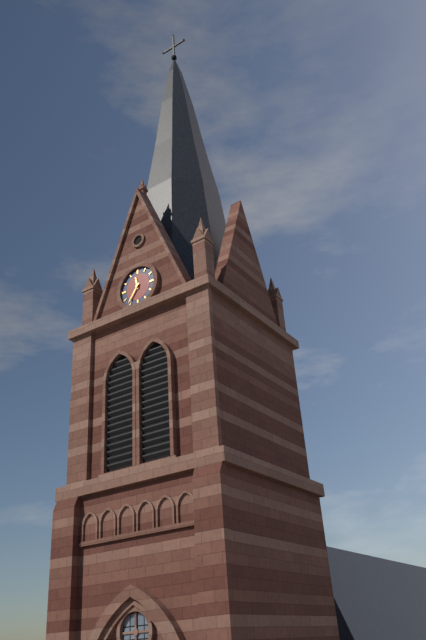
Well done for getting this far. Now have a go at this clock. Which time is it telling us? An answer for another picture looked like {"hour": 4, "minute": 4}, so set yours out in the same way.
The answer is {"hour": 11, "minute": 36}
